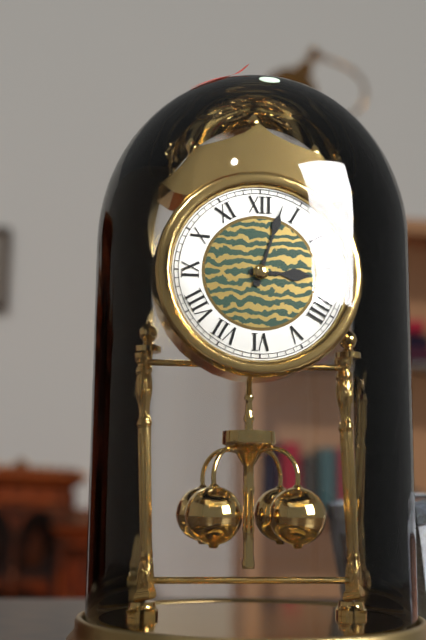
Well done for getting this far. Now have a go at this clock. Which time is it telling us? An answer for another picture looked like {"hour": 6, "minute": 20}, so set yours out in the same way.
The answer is {"hour": 3, "minute": 3}
